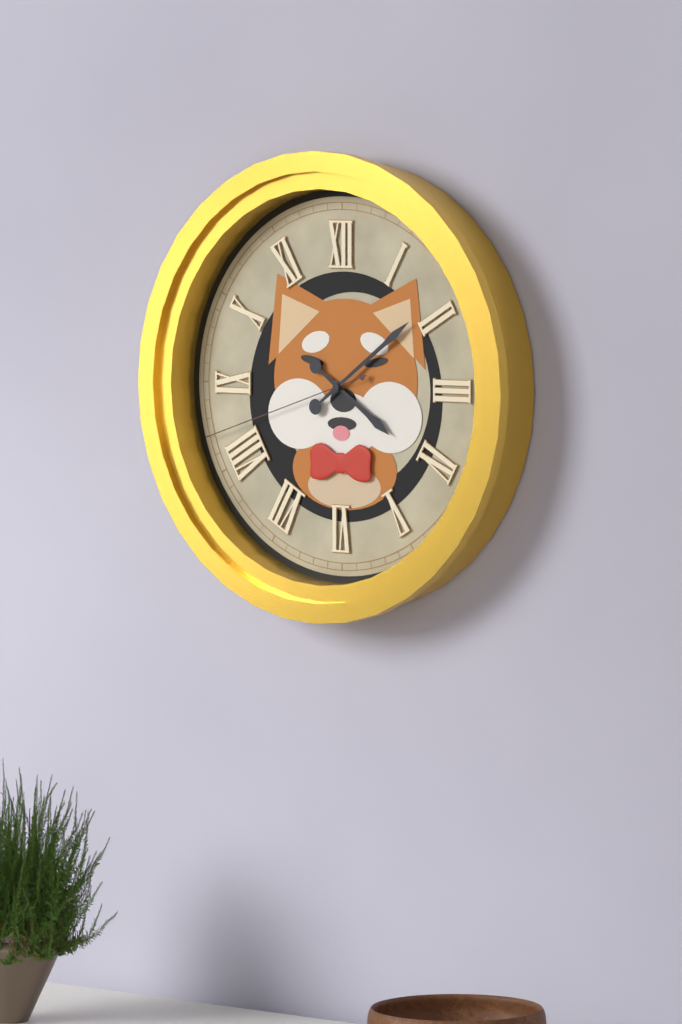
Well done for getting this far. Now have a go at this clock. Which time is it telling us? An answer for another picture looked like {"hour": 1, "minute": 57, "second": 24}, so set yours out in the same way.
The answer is {"hour": 4, "minute": 9, "second": 42}
